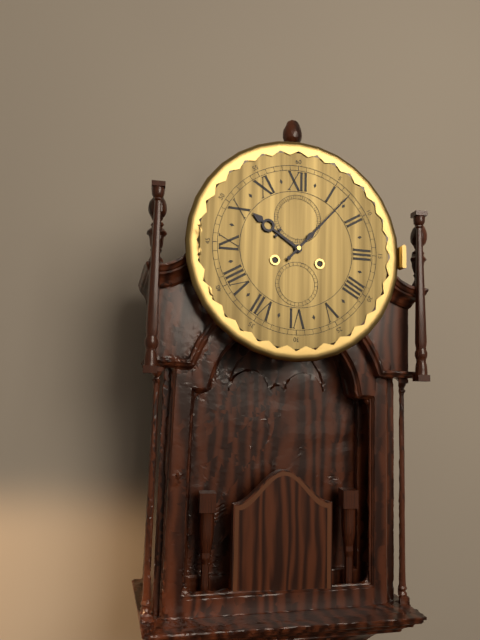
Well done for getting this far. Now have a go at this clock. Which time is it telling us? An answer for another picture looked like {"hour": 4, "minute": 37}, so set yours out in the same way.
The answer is {"hour": 10, "minute": 7}
